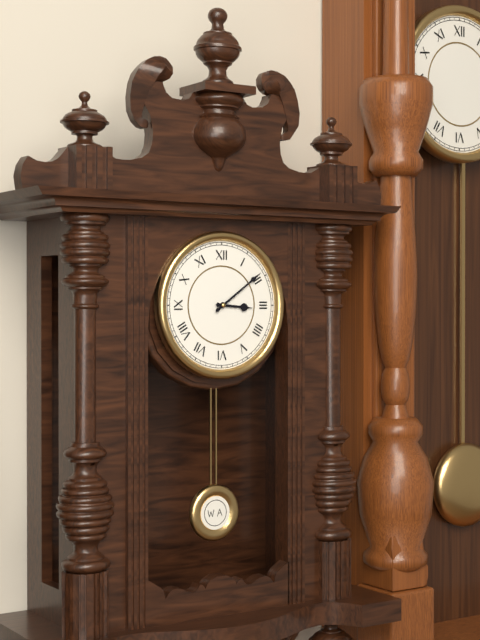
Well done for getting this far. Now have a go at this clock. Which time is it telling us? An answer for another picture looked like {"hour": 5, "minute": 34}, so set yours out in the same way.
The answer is {"hour": 3, "minute": 9}
